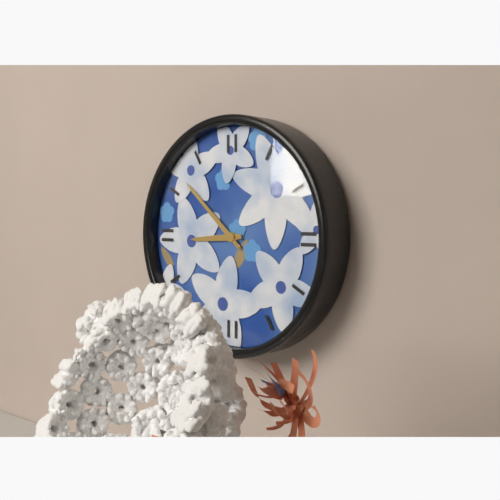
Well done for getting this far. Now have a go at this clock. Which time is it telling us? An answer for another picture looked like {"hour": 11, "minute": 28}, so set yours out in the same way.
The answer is {"hour": 8, "minute": 52}
